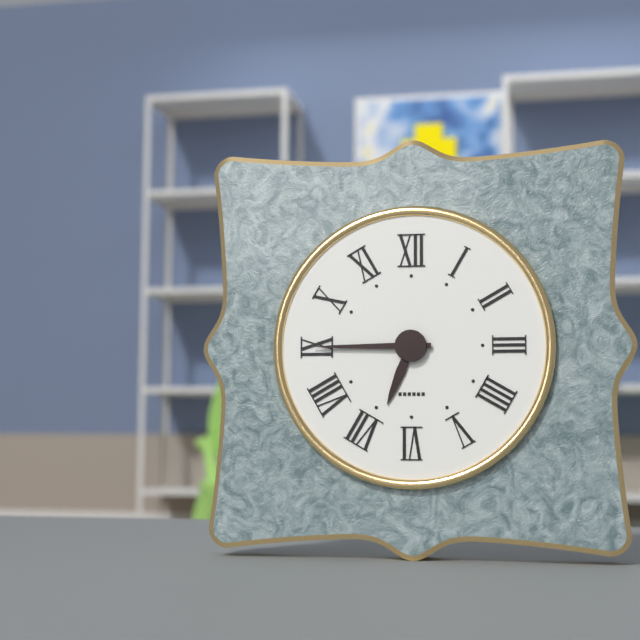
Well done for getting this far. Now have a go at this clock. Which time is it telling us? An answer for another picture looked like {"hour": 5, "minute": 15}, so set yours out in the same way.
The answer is {"hour": 6, "minute": 45}
